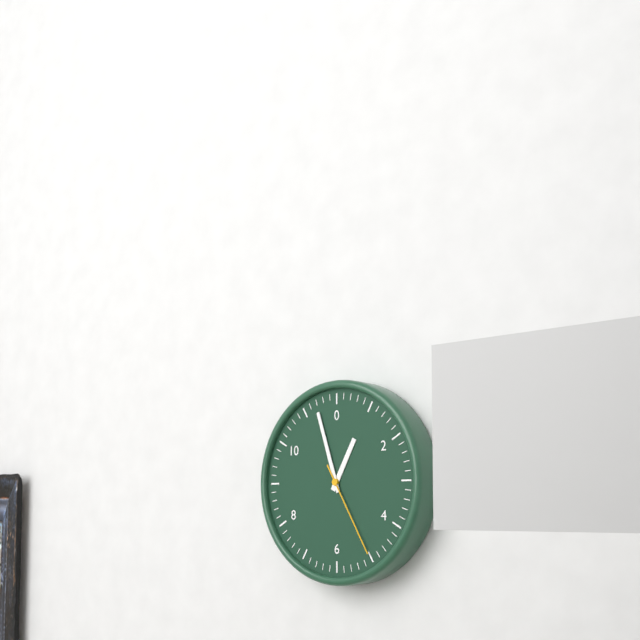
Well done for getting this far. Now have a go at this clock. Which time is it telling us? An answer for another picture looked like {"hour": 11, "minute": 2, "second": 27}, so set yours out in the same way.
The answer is {"hour": 12, "minute": 57, "second": 25}
